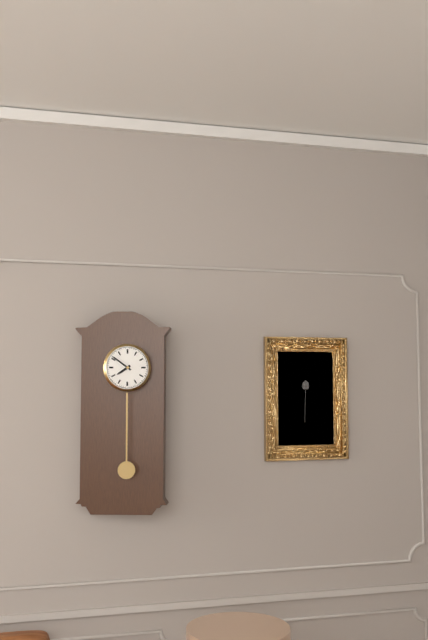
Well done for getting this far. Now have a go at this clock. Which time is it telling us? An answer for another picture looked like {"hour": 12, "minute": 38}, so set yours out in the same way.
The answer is {"hour": 7, "minute": 51}
